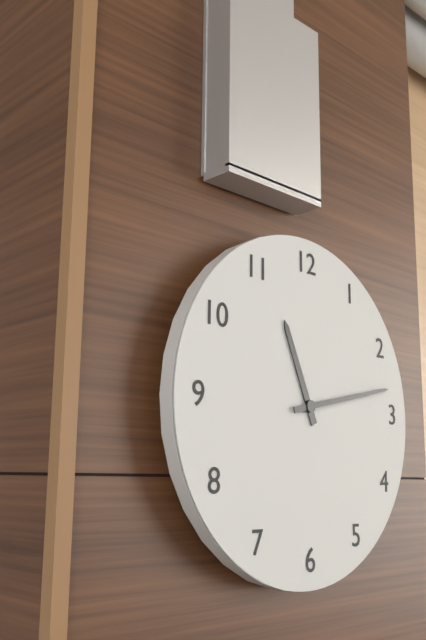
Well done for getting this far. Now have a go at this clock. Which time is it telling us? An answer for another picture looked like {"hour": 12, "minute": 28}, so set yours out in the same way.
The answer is {"hour": 11, "minute": 13}
